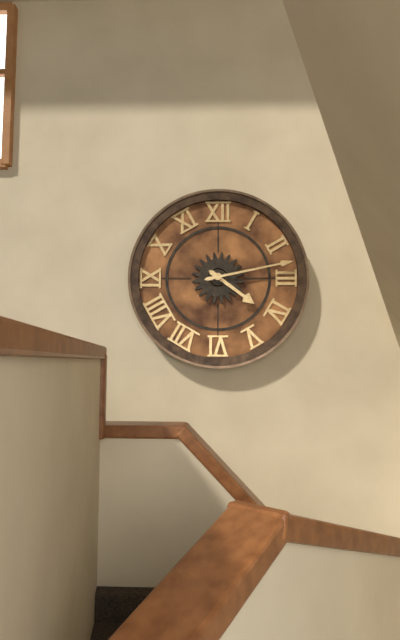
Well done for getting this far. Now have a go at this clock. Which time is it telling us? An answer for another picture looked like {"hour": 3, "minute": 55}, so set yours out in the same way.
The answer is {"hour": 4, "minute": 13}
